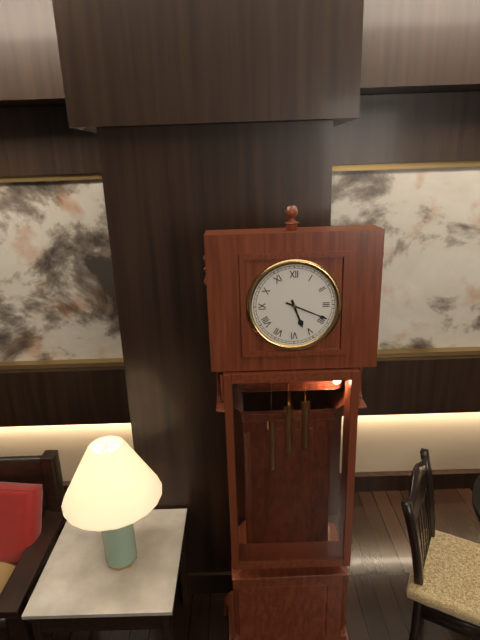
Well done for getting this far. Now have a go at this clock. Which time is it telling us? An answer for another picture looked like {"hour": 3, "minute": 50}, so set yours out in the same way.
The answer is {"hour": 5, "minute": 19}
